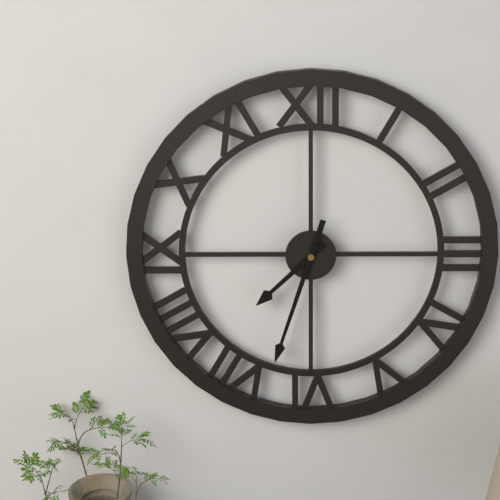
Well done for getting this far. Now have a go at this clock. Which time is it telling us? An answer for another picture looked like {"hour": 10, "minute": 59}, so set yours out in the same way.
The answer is {"hour": 7, "minute": 33}
